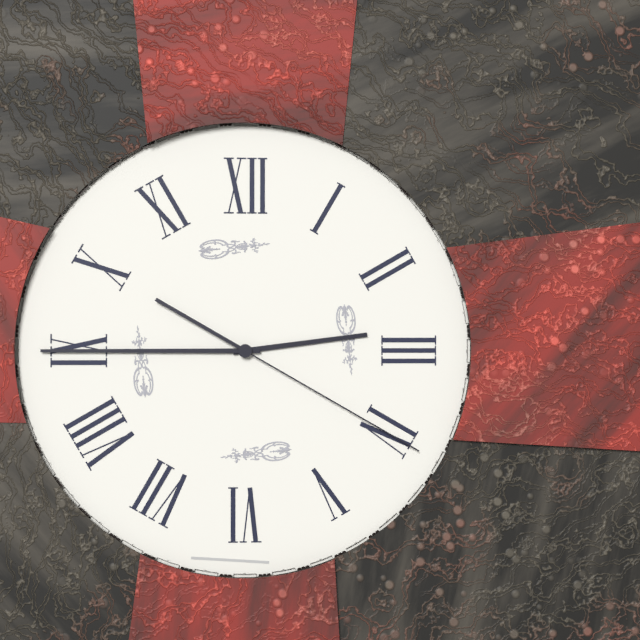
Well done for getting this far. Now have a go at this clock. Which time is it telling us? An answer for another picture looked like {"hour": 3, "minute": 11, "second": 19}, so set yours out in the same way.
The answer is {"hour": 2, "minute": 45, "second": 20}
